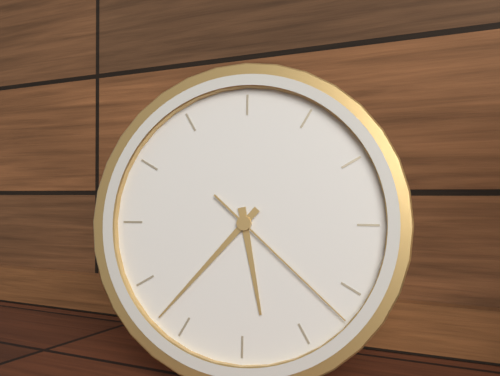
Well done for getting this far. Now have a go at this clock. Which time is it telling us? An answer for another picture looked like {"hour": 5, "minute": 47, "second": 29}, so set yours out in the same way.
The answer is {"hour": 5, "minute": 37, "second": 22}
